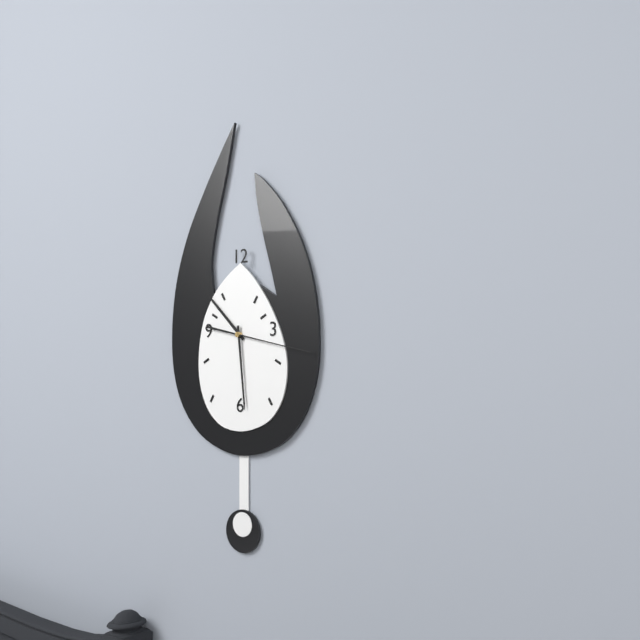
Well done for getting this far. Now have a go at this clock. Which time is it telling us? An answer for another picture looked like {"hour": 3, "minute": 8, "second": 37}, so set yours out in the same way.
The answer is {"hour": 10, "minute": 29, "second": 17}
